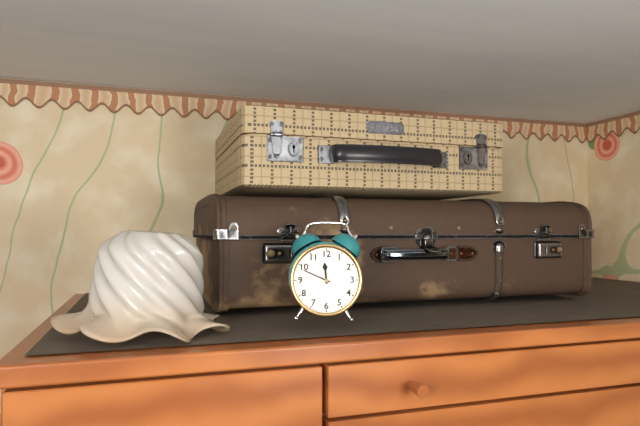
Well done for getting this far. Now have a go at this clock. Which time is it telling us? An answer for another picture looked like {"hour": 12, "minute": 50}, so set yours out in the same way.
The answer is {"hour": 11, "minute": 49}
